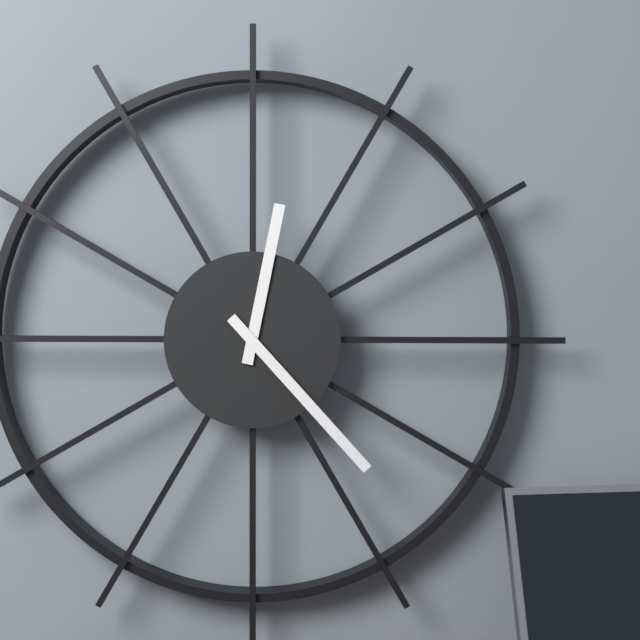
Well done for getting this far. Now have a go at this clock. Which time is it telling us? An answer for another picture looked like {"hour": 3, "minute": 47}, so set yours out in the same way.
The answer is {"hour": 12, "minute": 23}
